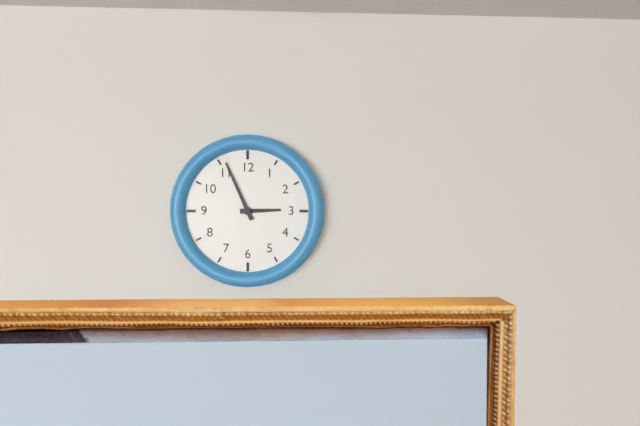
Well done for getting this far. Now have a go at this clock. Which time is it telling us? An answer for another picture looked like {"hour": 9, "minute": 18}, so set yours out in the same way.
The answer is {"hour": 2, "minute": 56}
